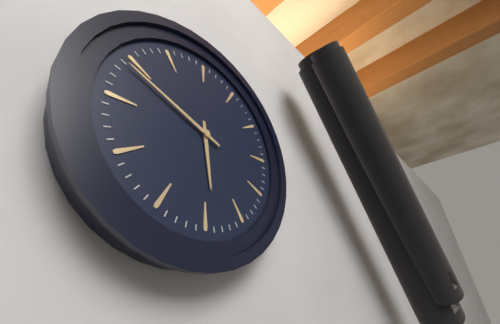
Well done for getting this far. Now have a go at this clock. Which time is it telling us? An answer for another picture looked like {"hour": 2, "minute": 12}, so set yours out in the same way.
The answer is {"hour": 5, "minute": 49}
